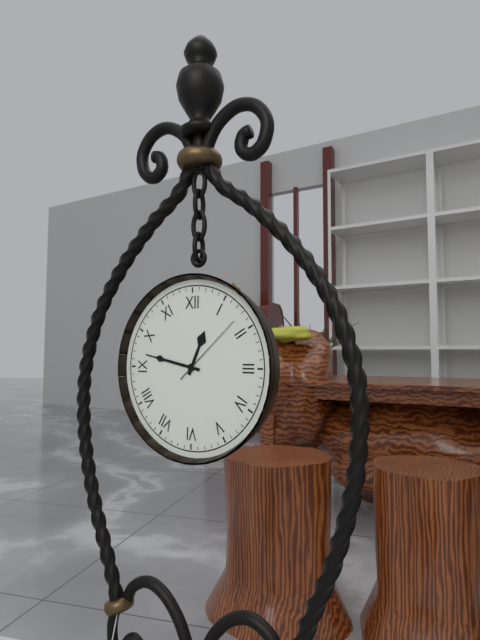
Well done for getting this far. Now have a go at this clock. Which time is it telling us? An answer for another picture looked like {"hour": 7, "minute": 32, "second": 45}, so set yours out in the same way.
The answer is {"hour": 12, "minute": 47, "second": 8}
